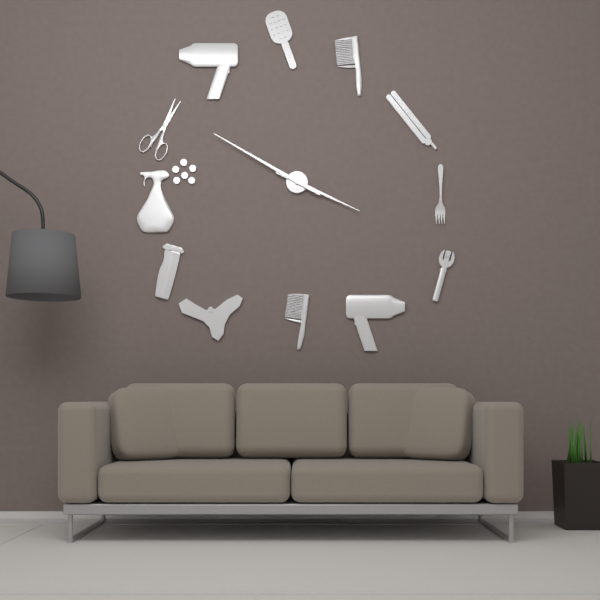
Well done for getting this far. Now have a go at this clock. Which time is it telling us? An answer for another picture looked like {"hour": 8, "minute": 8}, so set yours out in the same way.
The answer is {"hour": 3, "minute": 50}
